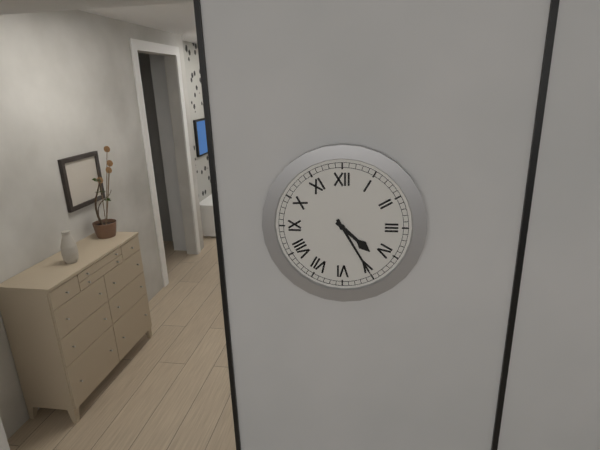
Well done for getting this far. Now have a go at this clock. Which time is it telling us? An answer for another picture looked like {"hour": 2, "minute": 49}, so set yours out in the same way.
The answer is {"hour": 4, "minute": 25}
